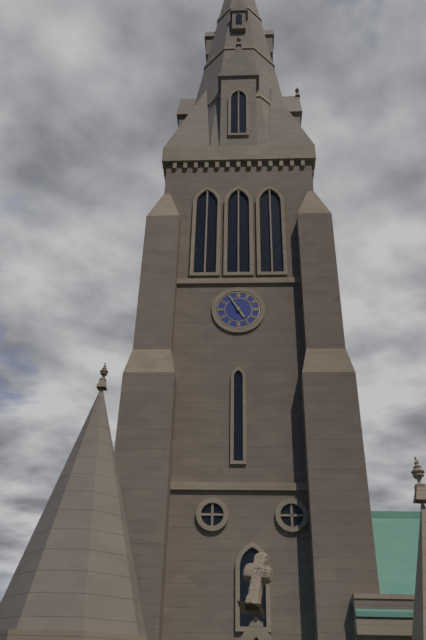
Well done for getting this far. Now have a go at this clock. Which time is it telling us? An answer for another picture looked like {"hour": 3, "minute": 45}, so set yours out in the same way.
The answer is {"hour": 4, "minute": 55}
